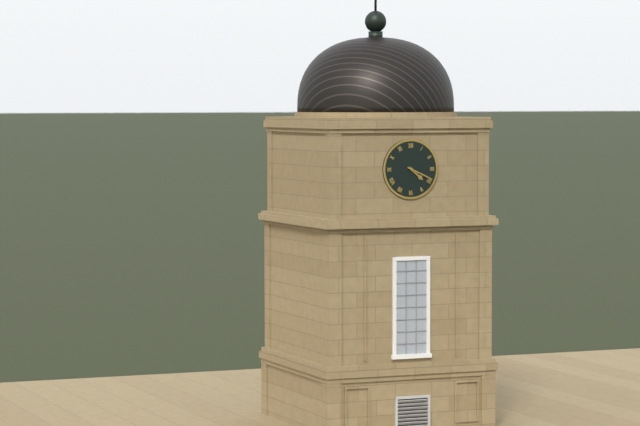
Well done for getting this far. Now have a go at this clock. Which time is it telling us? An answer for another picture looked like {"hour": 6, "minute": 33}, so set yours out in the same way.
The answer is {"hour": 4, "minute": 19}
